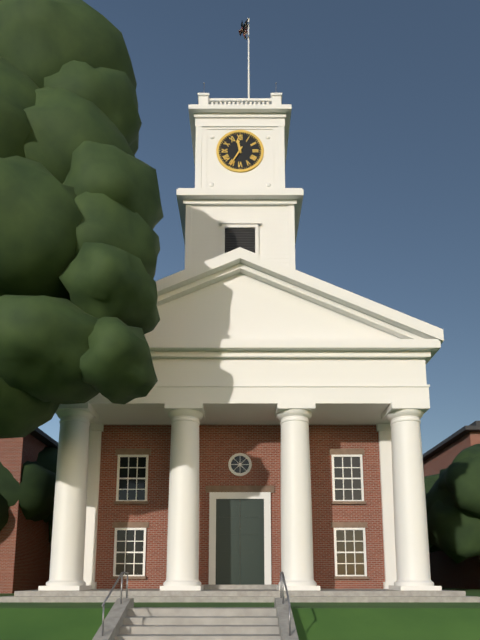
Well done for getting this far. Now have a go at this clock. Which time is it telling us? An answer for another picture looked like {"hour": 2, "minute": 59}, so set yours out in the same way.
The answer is {"hour": 11, "minute": 35}
